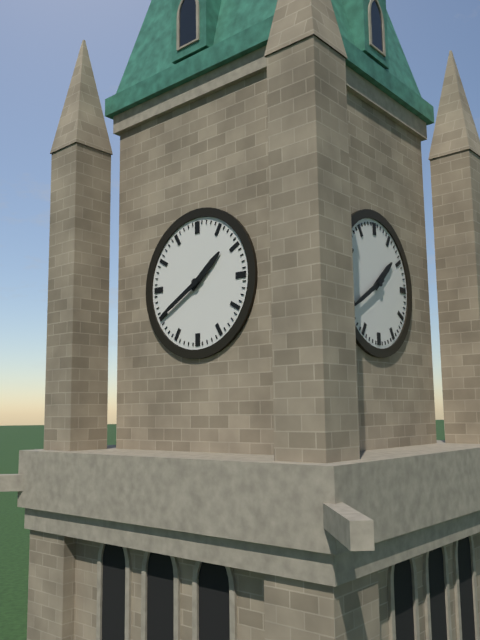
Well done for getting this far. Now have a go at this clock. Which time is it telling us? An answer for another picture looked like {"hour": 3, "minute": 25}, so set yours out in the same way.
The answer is {"hour": 1, "minute": 40}
